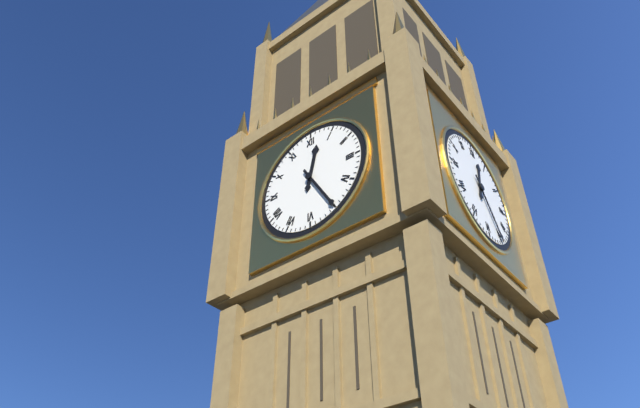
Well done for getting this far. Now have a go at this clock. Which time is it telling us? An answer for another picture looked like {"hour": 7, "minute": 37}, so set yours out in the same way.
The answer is {"hour": 12, "minute": 25}
